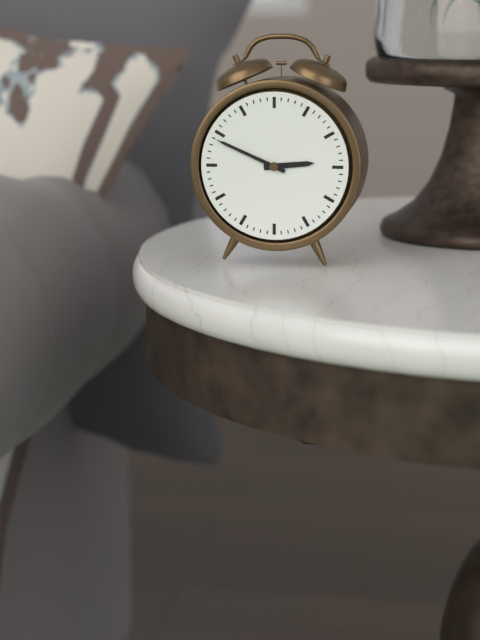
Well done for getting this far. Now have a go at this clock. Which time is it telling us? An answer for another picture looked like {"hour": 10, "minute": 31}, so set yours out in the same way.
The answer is {"hour": 2, "minute": 49}
